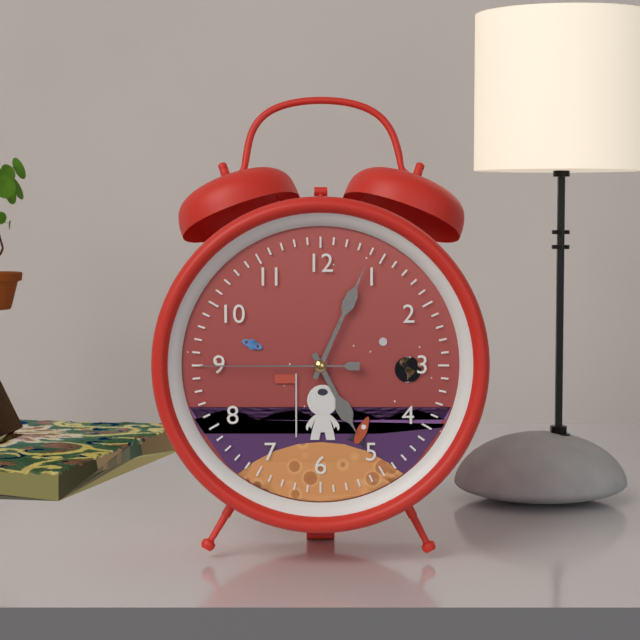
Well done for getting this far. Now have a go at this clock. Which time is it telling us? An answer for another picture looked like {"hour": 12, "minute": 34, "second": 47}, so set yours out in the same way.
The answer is {"hour": 5, "minute": 4, "second": 45}
